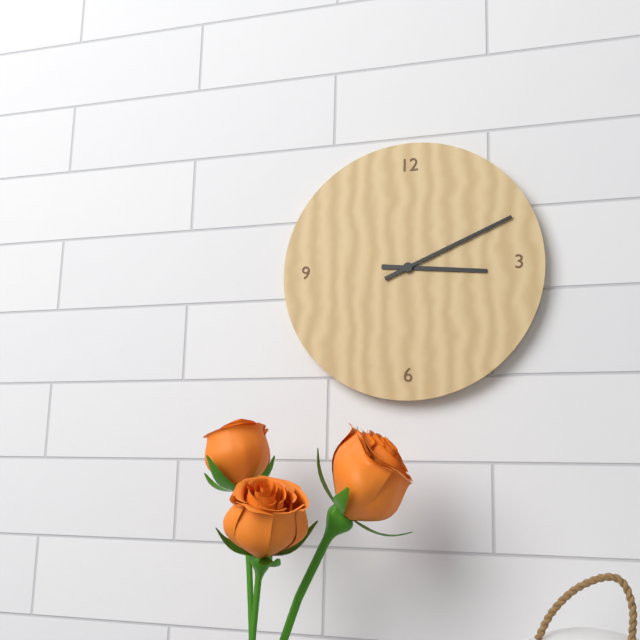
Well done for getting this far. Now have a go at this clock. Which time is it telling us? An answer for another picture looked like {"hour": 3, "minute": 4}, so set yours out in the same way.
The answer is {"hour": 3, "minute": 11}
